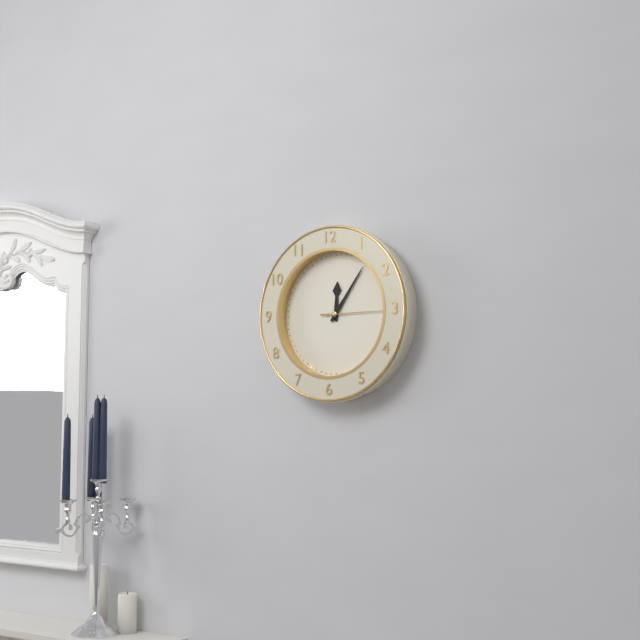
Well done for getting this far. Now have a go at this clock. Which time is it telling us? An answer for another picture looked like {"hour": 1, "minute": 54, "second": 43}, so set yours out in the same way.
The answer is {"hour": 12, "minute": 6, "second": 15}
